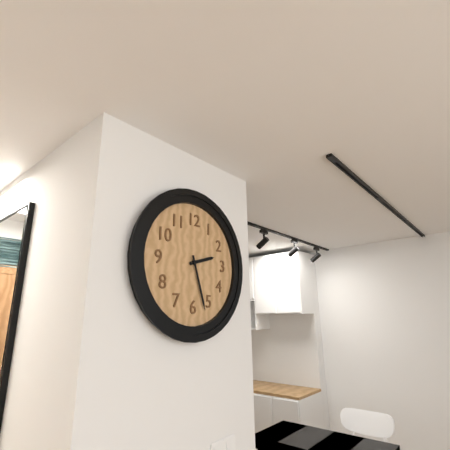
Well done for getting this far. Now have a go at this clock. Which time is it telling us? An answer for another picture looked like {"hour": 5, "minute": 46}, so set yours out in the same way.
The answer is {"hour": 2, "minute": 27}
